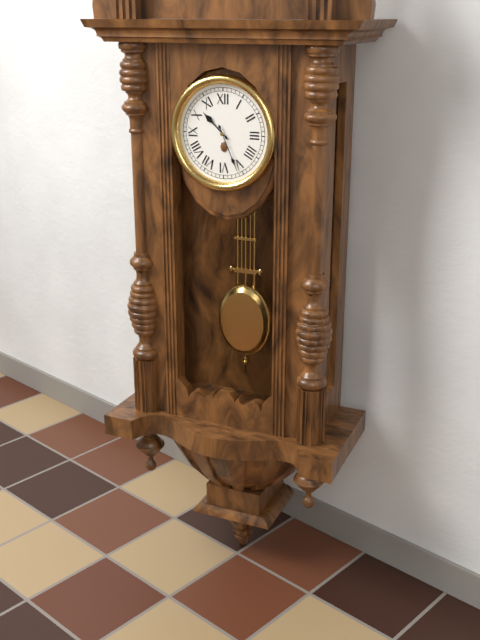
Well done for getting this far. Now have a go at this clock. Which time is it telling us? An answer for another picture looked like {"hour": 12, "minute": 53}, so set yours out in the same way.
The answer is {"hour": 10, "minute": 26}
